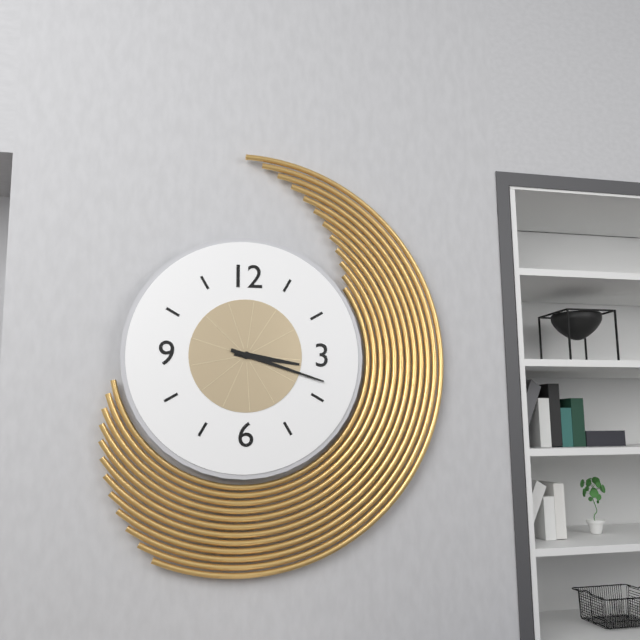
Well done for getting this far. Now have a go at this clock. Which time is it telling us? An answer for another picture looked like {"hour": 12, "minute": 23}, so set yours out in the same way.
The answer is {"hour": 3, "minute": 18}
